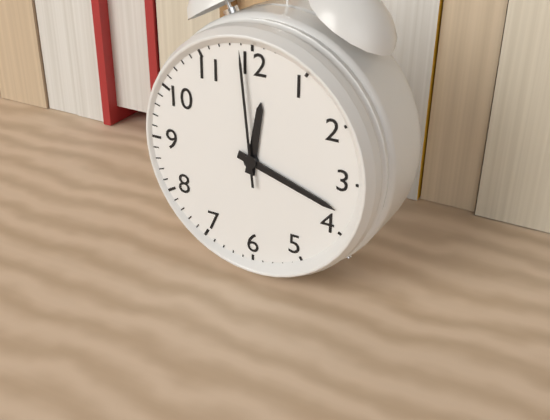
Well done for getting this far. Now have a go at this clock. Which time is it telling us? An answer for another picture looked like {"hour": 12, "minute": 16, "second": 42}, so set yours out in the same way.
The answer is {"hour": 12, "minute": 18, "second": 59}
